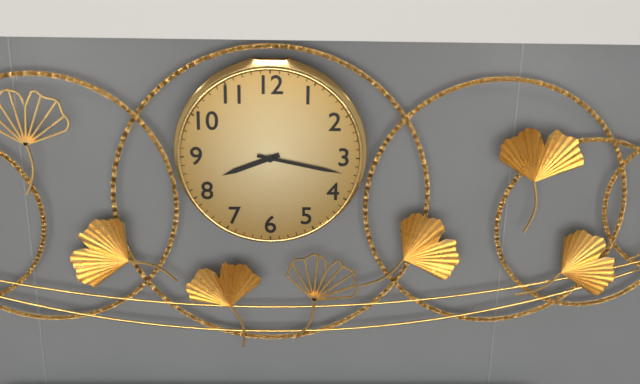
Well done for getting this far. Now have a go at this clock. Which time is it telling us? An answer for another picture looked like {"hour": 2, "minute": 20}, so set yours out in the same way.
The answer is {"hour": 8, "minute": 17}
